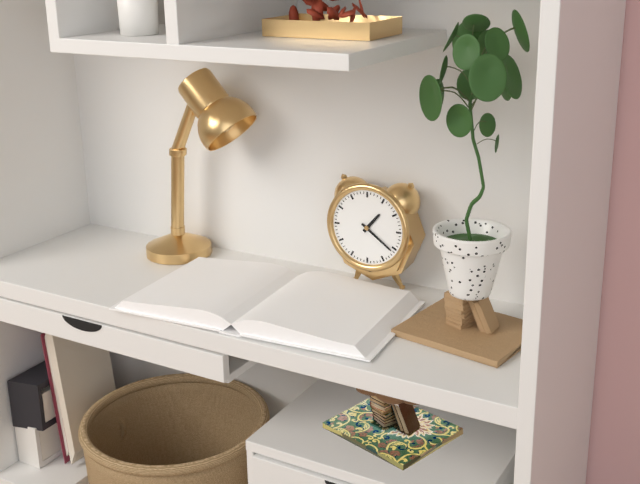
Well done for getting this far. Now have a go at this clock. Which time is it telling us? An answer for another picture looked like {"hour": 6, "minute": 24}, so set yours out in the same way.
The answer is {"hour": 1, "minute": 21}
